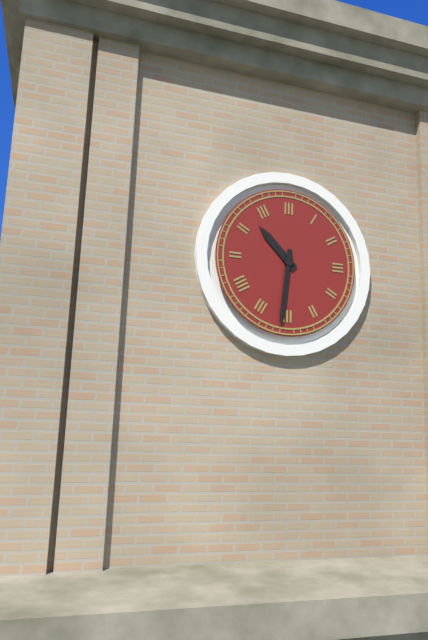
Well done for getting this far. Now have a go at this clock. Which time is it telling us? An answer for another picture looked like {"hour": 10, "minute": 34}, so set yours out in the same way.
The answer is {"hour": 10, "minute": 31}
